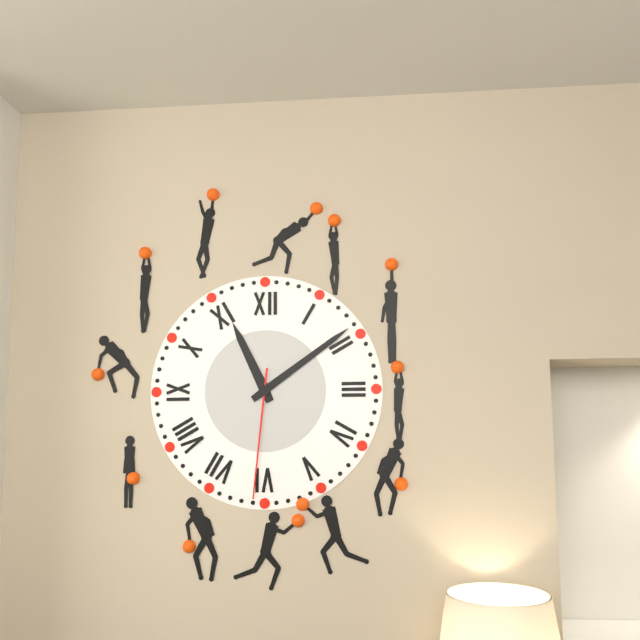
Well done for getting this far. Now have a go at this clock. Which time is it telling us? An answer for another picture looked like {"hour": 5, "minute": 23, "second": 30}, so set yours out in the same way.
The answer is {"hour": 11, "minute": 9, "second": 31}
